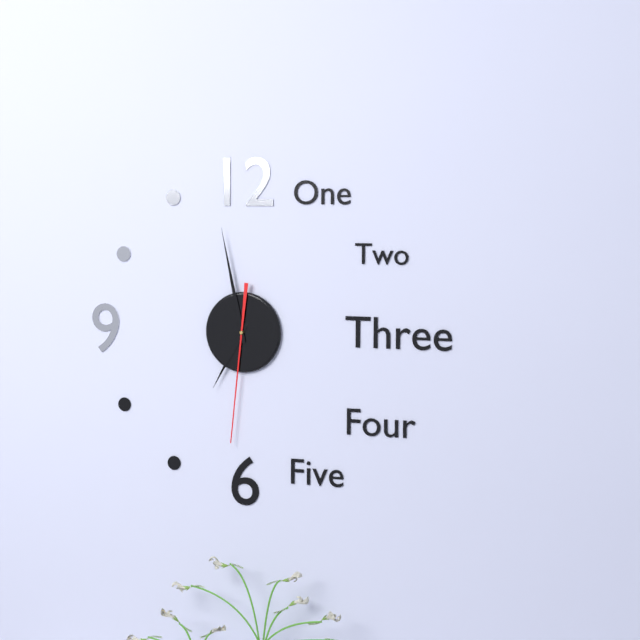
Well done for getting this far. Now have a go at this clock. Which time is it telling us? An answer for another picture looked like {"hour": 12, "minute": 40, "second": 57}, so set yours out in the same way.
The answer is {"hour": 6, "minute": 58, "second": 31}
